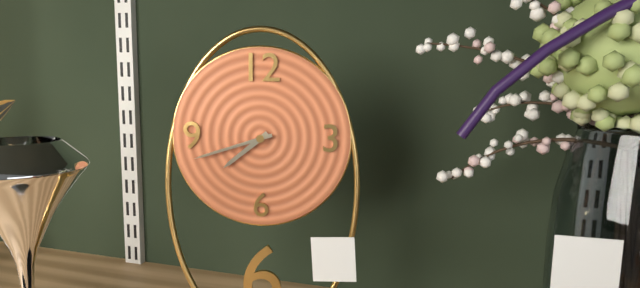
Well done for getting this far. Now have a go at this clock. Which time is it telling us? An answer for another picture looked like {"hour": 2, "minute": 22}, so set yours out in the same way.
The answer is {"hour": 7, "minute": 42}
